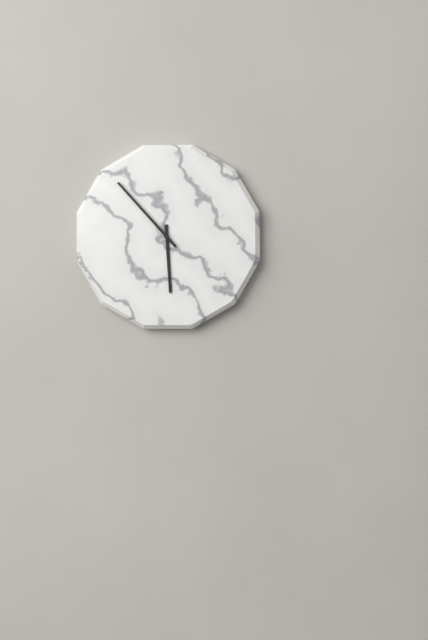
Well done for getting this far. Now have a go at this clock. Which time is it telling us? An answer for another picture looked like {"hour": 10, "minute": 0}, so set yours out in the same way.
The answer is {"hour": 5, "minute": 53}
